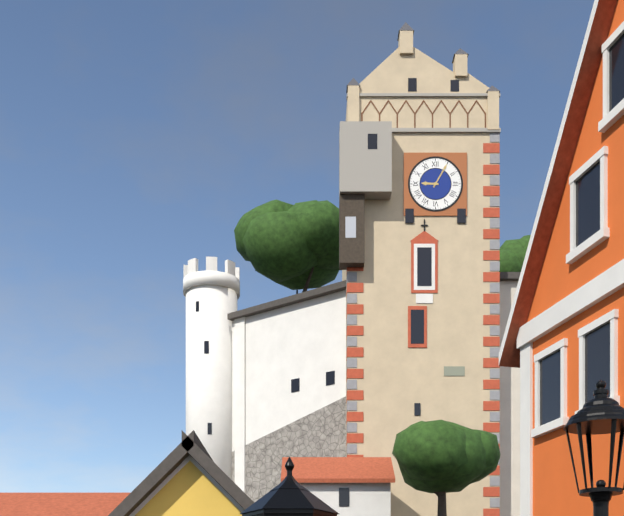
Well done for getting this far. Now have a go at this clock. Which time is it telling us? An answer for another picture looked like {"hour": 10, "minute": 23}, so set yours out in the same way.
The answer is {"hour": 9, "minute": 5}
